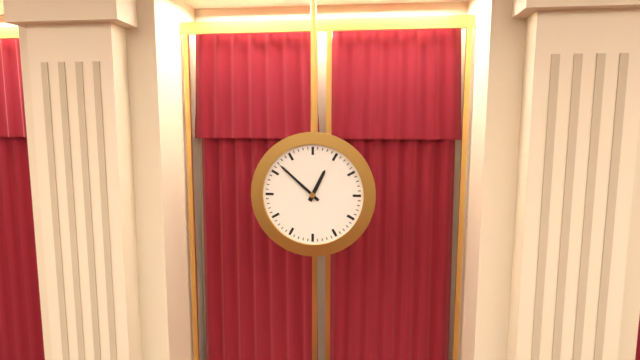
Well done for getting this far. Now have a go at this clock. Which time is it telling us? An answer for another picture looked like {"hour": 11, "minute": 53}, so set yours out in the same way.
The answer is {"hour": 12, "minute": 52}
